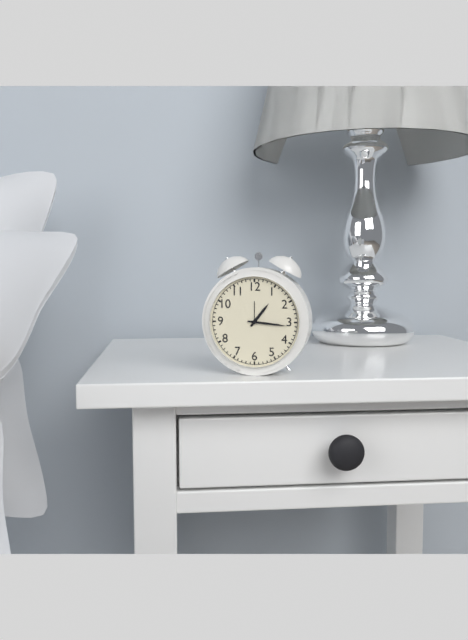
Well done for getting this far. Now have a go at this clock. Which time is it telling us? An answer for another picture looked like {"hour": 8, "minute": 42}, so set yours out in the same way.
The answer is {"hour": 1, "minute": 16}
